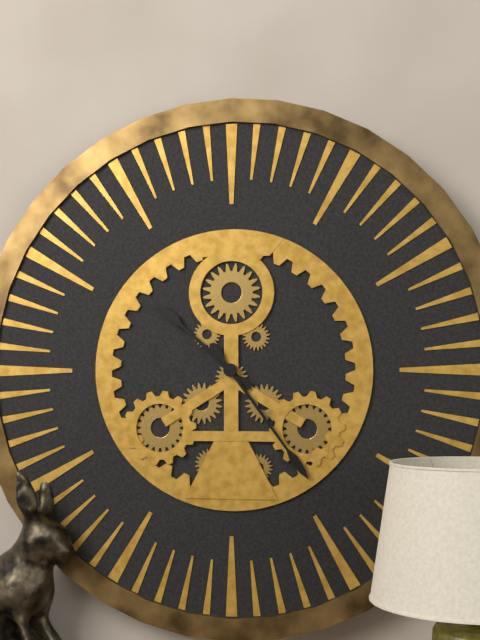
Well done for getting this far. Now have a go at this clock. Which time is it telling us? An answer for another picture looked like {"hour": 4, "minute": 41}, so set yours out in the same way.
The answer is {"hour": 10, "minute": 24}
